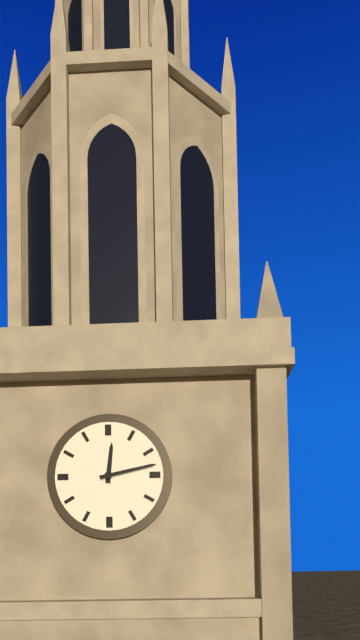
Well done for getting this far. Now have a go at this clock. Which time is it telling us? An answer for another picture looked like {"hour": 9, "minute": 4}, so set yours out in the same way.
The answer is {"hour": 12, "minute": 13}
